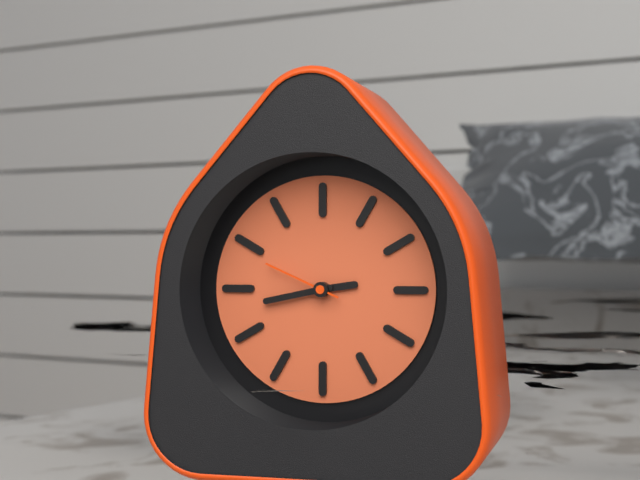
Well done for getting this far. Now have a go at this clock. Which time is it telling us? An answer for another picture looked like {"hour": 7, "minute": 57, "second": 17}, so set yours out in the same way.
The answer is {"hour": 2, "minute": 43, "second": 49}
